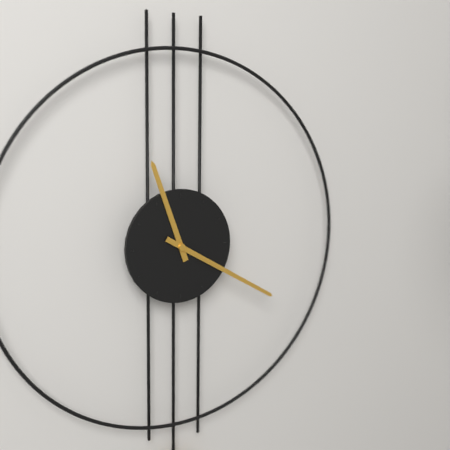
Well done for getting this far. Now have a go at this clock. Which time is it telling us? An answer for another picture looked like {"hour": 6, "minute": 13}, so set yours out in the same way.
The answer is {"hour": 11, "minute": 20}
